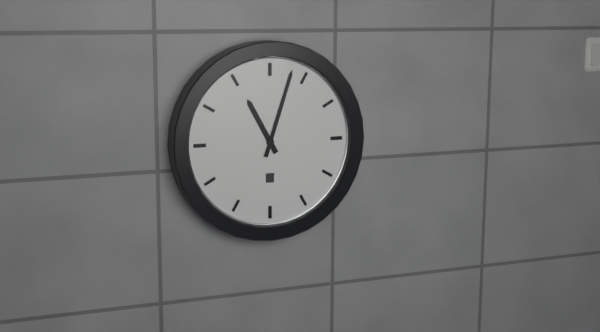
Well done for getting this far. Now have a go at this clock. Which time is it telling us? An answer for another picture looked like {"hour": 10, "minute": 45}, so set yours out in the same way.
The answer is {"hour": 11, "minute": 3}
